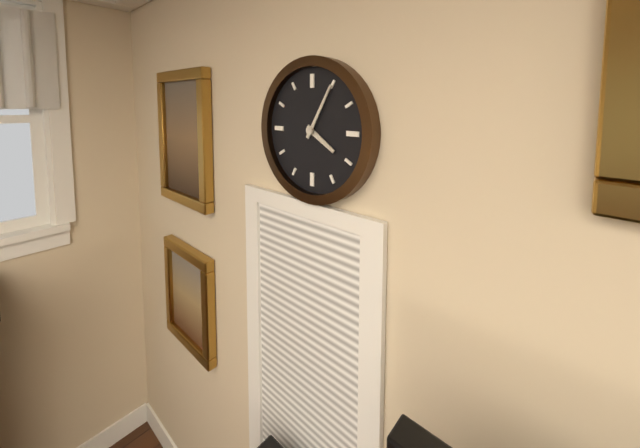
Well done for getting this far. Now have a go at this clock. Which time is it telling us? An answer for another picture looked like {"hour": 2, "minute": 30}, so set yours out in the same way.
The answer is {"hour": 4, "minute": 5}
